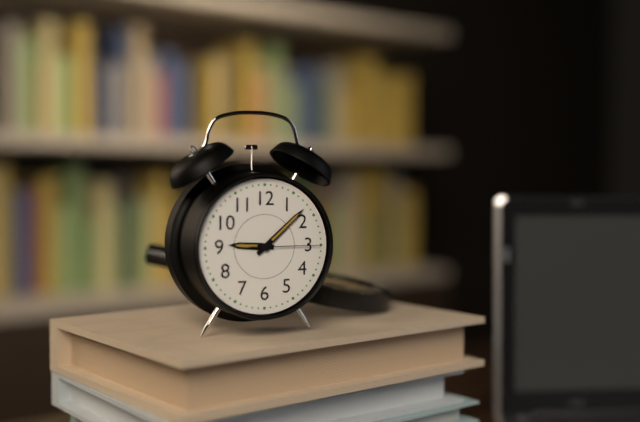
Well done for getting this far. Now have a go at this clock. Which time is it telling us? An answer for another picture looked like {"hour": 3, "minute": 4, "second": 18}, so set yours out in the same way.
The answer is {"hour": 9, "minute": 8, "second": 15}
